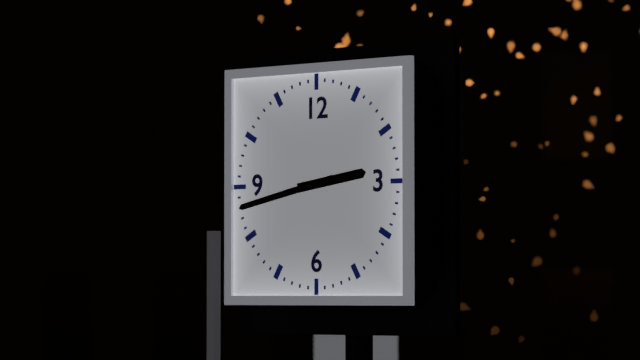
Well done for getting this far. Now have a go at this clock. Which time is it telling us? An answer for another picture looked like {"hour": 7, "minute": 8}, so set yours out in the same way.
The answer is {"hour": 2, "minute": 43}
